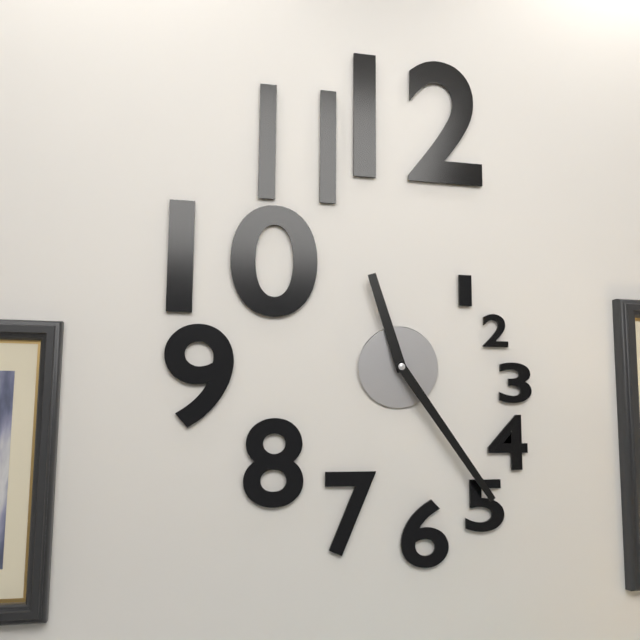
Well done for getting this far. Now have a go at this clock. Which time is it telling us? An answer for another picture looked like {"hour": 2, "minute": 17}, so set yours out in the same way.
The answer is {"hour": 11, "minute": 24}
